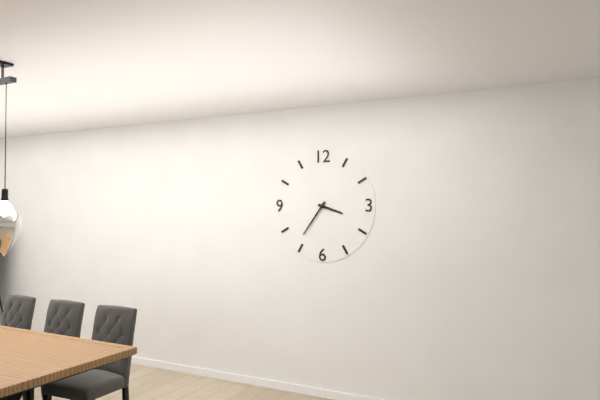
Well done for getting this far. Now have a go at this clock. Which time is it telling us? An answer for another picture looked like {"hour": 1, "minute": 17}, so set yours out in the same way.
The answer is {"hour": 3, "minute": 36}
